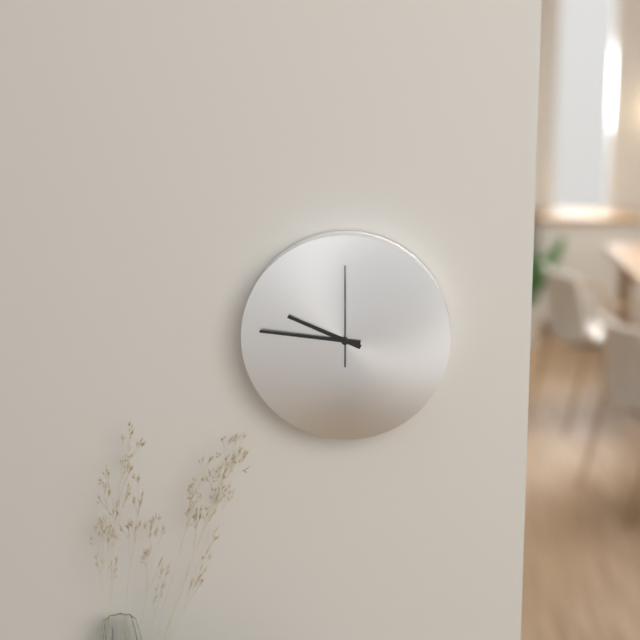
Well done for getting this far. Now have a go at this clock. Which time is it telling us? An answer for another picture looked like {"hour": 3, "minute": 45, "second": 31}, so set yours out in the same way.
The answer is {"hour": 9, "minute": 46, "second": 0}
